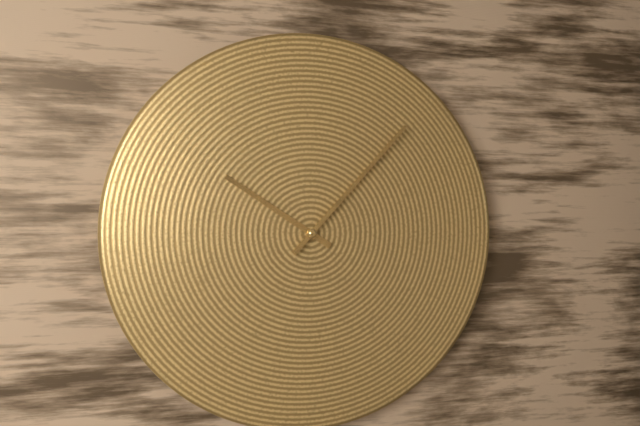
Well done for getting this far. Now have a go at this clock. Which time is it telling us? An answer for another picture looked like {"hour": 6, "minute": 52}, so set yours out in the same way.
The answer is {"hour": 10, "minute": 7}
